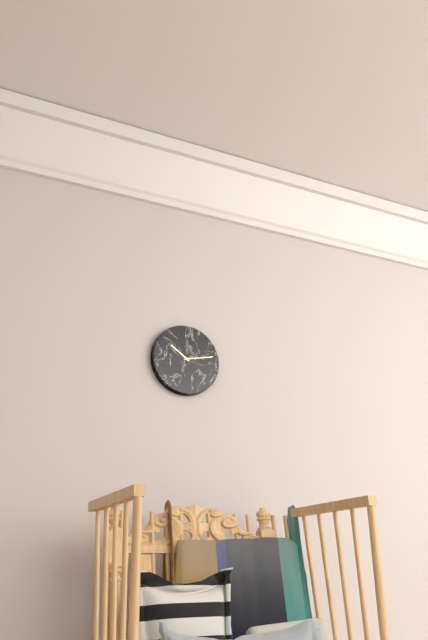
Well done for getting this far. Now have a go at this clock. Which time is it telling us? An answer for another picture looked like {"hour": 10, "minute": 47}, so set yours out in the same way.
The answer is {"hour": 10, "minute": 13}
